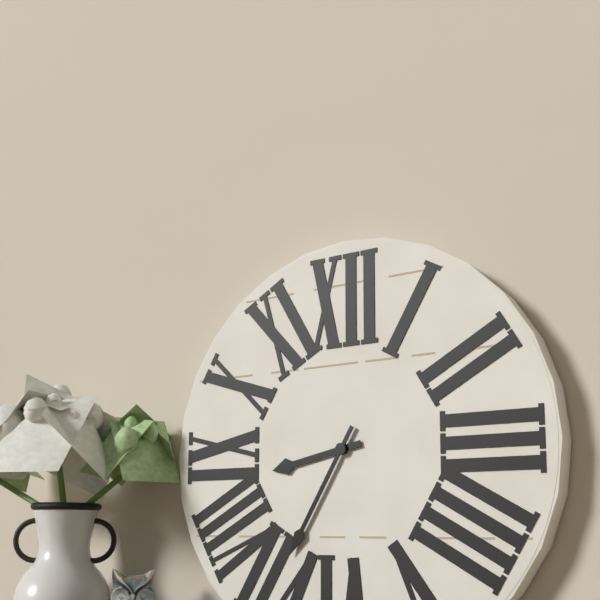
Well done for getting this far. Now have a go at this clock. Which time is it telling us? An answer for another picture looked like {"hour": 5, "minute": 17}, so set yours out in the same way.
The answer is {"hour": 8, "minute": 35}
